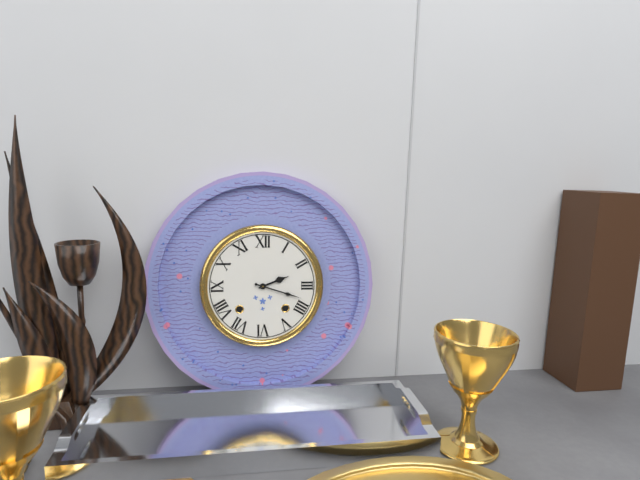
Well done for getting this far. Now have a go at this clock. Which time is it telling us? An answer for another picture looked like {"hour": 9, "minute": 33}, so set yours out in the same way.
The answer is {"hour": 2, "minute": 18}
